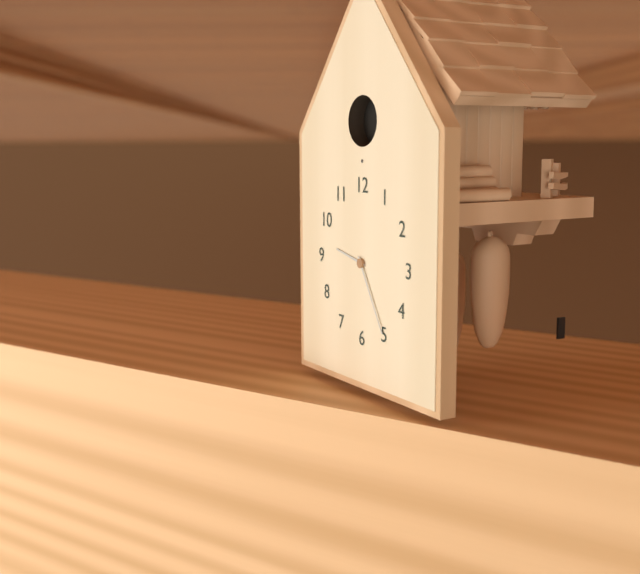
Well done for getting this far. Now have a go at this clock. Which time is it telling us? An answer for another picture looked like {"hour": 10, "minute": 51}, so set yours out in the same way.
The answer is {"hour": 9, "minute": 25}
